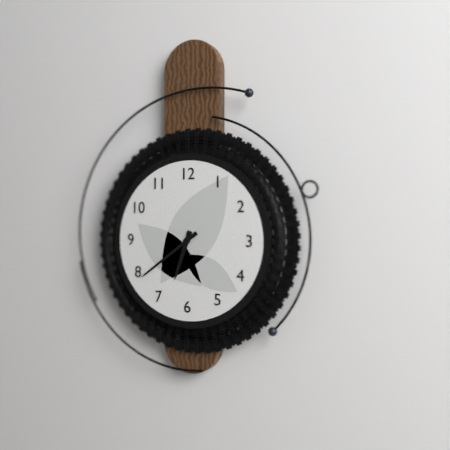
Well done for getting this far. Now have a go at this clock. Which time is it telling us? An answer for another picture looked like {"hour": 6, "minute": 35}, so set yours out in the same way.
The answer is {"hour": 6, "minute": 39}
